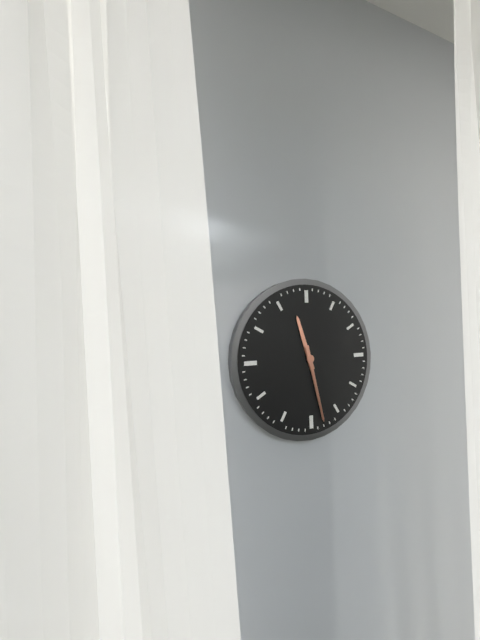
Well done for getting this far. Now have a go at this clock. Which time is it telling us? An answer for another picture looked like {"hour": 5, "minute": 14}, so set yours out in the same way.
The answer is {"hour": 11, "minute": 28}
